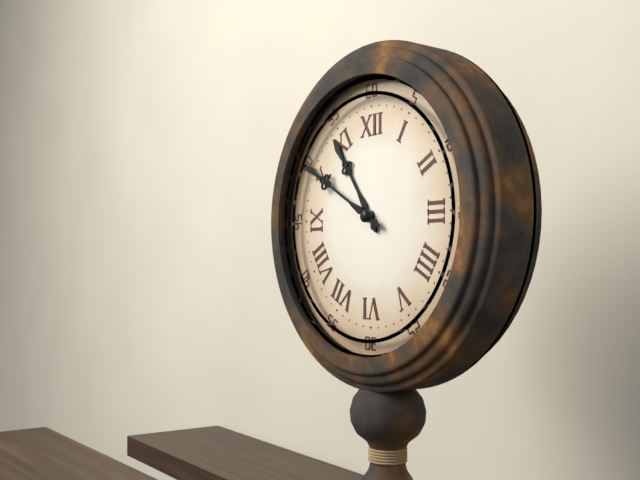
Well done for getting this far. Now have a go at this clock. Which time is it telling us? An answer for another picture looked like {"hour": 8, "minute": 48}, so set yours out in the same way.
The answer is {"hour": 10, "minute": 50}
